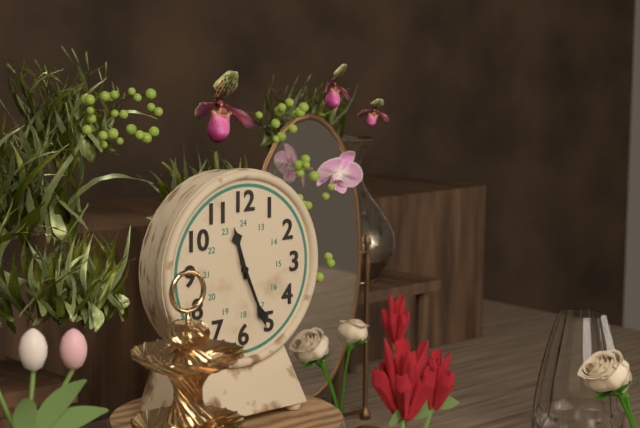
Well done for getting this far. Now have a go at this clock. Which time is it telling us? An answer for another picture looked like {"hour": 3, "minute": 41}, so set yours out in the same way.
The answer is {"hour": 11, "minute": 26}
